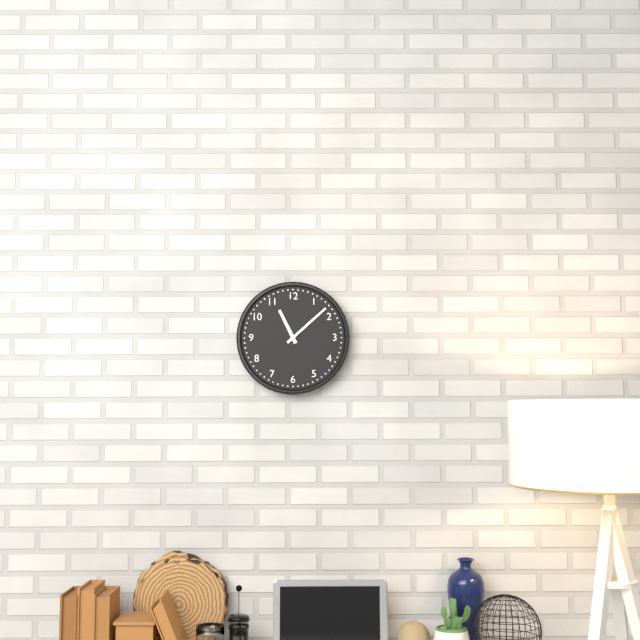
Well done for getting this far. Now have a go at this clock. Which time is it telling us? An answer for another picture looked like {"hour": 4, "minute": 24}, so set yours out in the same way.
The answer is {"hour": 11, "minute": 8}
